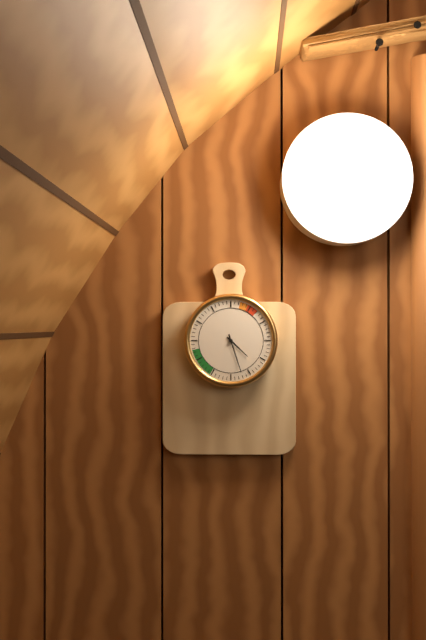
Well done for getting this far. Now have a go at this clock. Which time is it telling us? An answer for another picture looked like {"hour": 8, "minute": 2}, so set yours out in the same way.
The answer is {"hour": 4, "minute": 27}
